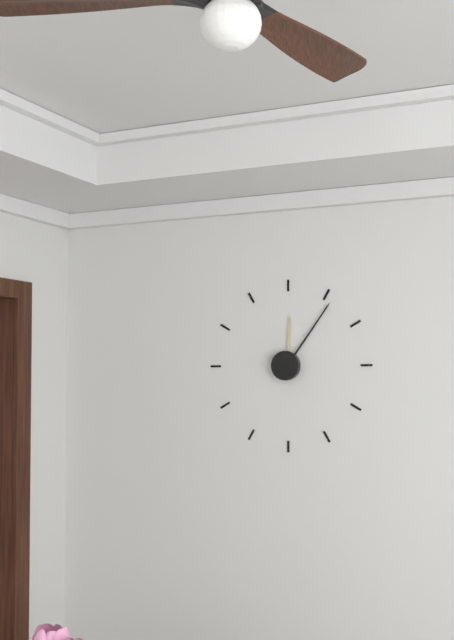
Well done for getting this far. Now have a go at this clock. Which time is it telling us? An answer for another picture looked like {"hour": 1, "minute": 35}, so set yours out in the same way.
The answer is {"hour": 12, "minute": 6}
